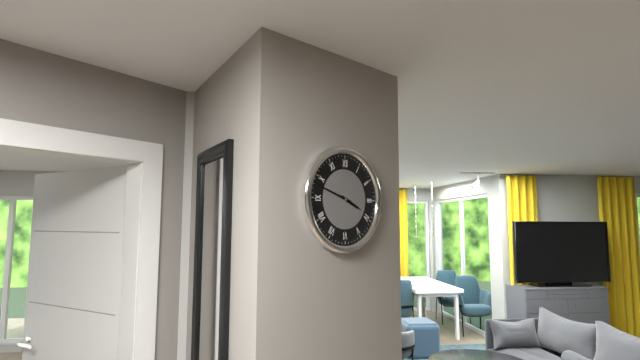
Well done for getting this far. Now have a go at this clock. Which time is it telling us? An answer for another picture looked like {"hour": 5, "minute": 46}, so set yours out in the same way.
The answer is {"hour": 3, "minute": 48}
